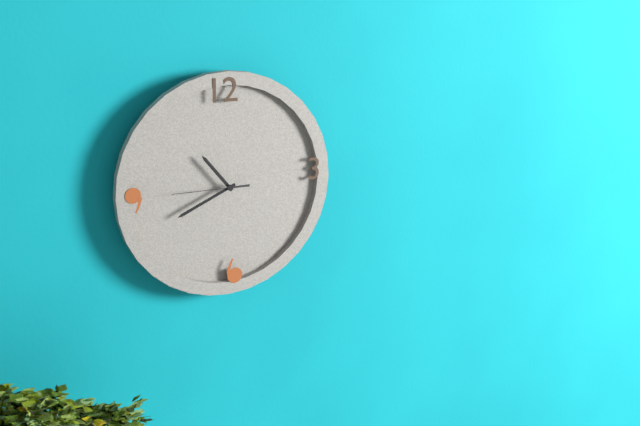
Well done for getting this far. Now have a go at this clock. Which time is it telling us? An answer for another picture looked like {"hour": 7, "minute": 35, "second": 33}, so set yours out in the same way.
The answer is {"hour": 10, "minute": 41, "second": 45}
